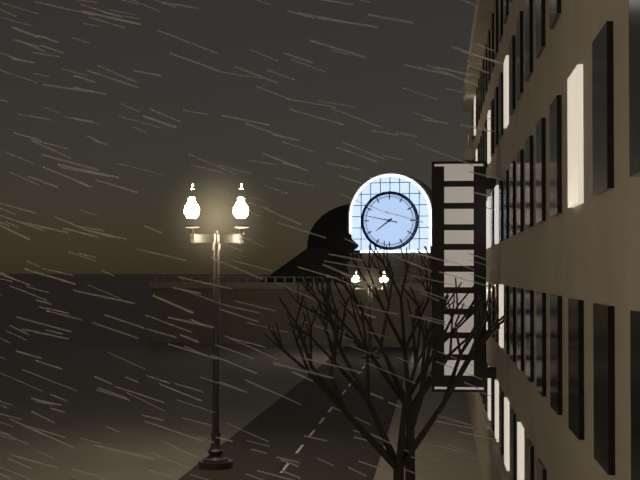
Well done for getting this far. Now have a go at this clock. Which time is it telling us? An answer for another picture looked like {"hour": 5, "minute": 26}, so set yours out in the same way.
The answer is {"hour": 7, "minute": 47}
